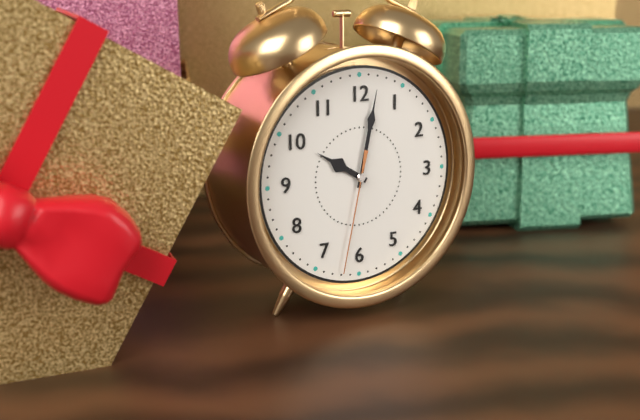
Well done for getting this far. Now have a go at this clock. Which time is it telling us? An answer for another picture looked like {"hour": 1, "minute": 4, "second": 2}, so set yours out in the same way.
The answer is {"hour": 10, "minute": 2, "second": 32}
